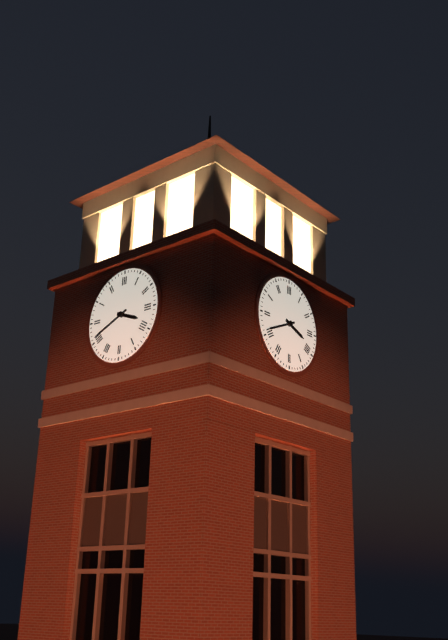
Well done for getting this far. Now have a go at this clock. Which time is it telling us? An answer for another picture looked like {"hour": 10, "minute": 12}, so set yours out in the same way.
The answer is {"hour": 3, "minute": 41}
